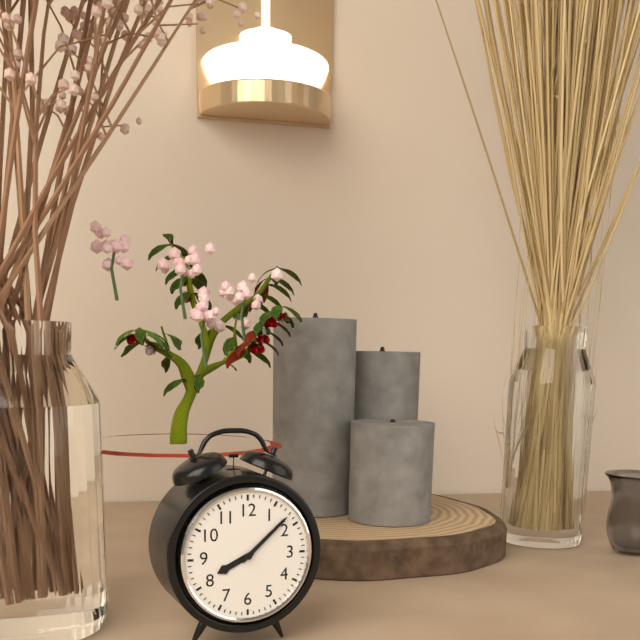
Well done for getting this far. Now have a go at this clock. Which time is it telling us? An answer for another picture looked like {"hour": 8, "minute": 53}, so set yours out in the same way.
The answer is {"hour": 8, "minute": 8}
